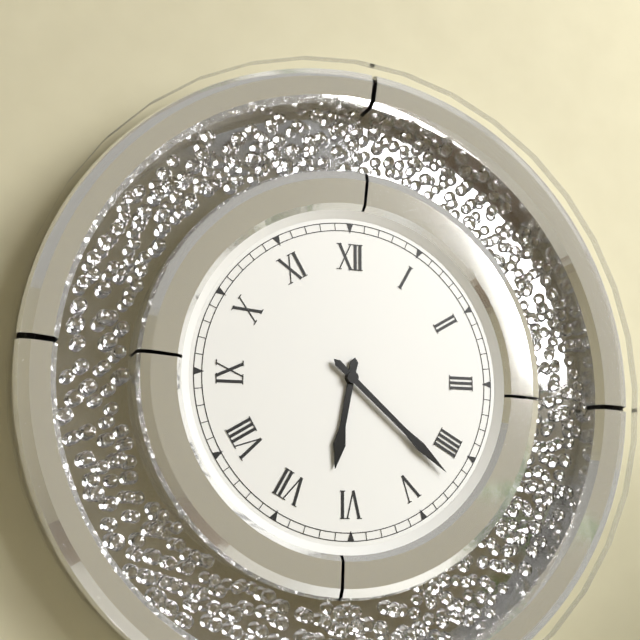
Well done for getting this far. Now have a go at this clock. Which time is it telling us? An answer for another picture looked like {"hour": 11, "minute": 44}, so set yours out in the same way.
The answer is {"hour": 6, "minute": 22}
